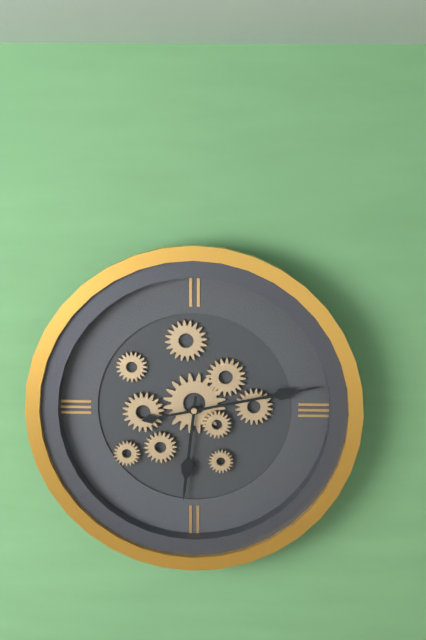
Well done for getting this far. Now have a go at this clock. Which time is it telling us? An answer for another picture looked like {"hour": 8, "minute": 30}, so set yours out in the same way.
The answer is {"hour": 6, "minute": 13}
